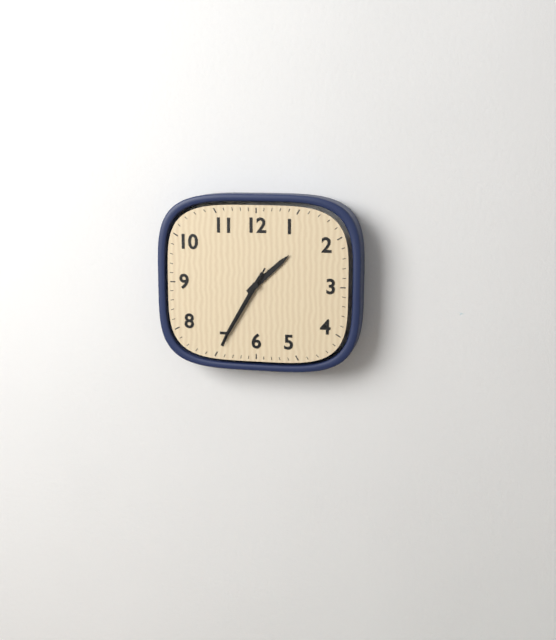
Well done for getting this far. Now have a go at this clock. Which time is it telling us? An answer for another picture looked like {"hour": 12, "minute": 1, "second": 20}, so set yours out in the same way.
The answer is {"hour": 1, "minute": 35, "second": 35}
